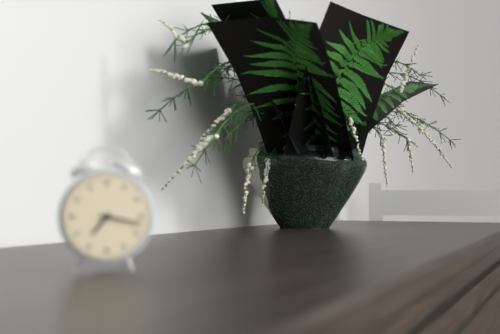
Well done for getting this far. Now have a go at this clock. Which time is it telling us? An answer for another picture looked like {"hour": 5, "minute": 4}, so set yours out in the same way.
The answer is {"hour": 7, "minute": 17}
